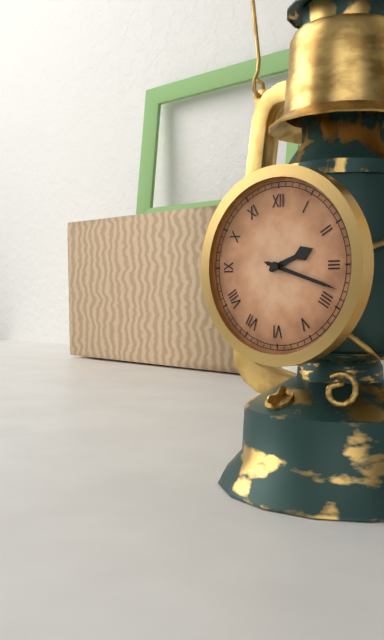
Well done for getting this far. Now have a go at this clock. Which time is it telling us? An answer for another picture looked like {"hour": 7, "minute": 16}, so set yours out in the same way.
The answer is {"hour": 2, "minute": 18}
